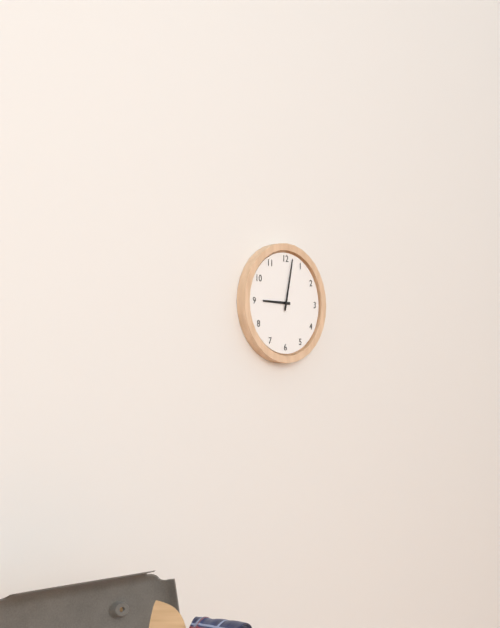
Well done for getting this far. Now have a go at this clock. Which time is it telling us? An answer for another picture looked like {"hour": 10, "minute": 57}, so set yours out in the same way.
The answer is {"hour": 9, "minute": 2}
